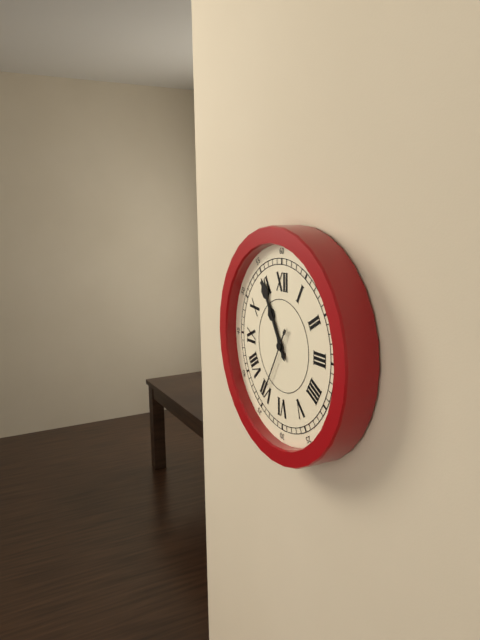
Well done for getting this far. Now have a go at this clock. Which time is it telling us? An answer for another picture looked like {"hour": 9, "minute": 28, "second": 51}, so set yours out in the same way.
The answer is {"hour": 10, "minute": 55, "second": 35}
